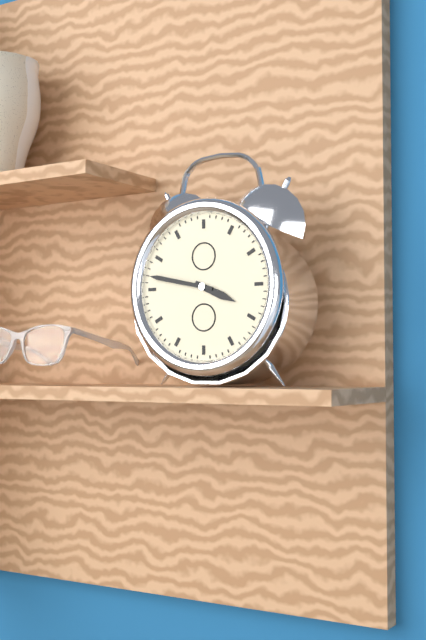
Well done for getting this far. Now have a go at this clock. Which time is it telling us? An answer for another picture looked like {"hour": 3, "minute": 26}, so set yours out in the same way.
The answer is {"hour": 3, "minute": 47}
